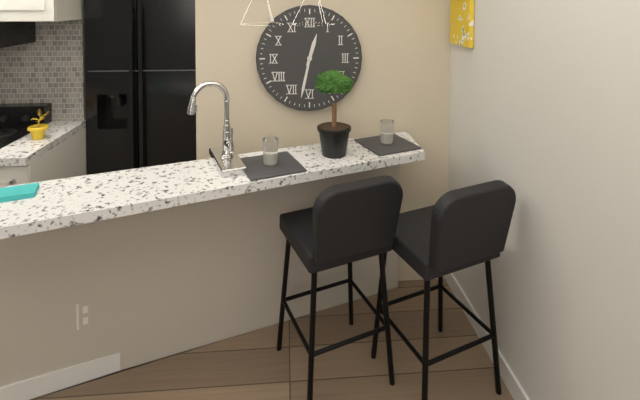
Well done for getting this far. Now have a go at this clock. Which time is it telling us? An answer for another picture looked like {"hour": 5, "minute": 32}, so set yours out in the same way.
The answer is {"hour": 12, "minute": 32}
